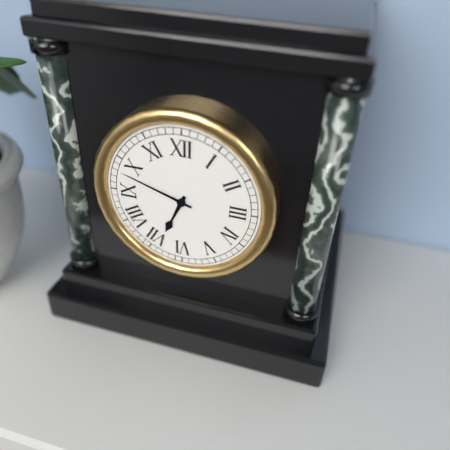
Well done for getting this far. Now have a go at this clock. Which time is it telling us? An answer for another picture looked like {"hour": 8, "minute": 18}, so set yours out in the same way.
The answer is {"hour": 6, "minute": 48}
